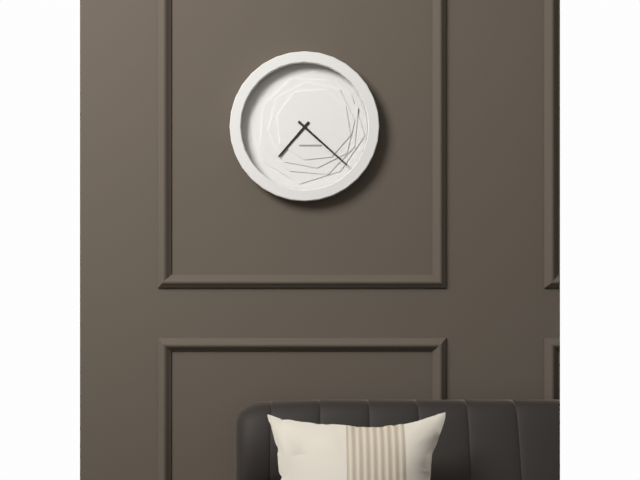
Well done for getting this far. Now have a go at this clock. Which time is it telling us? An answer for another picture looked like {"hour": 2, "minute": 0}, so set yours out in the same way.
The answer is {"hour": 7, "minute": 22}
